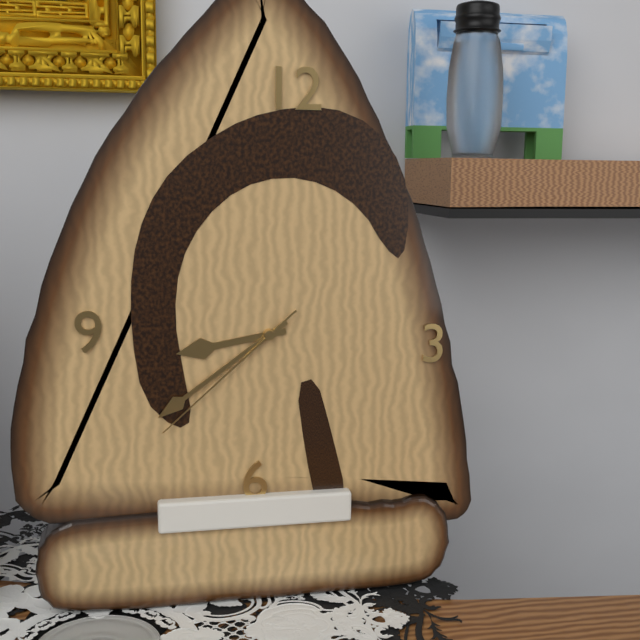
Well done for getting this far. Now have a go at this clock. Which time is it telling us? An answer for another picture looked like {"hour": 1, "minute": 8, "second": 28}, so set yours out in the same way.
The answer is {"hour": 8, "minute": 39, "second": 38}
